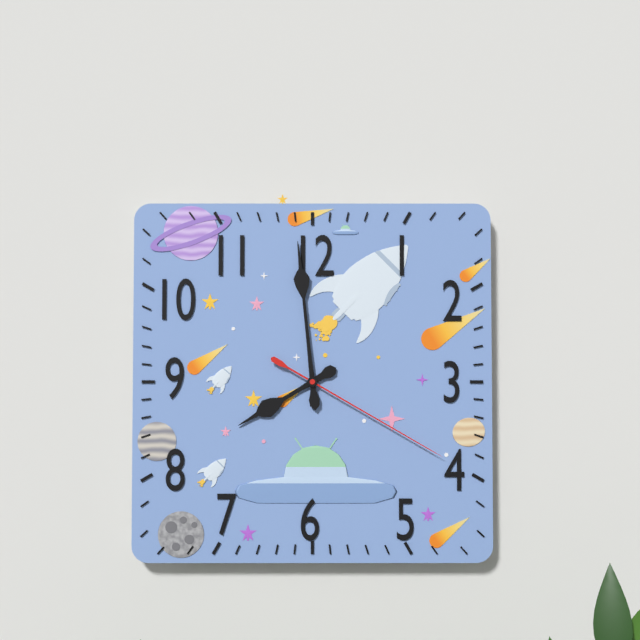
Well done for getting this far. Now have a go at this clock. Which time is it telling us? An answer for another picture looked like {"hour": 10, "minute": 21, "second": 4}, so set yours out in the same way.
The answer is {"hour": 7, "minute": 59, "second": 20}
